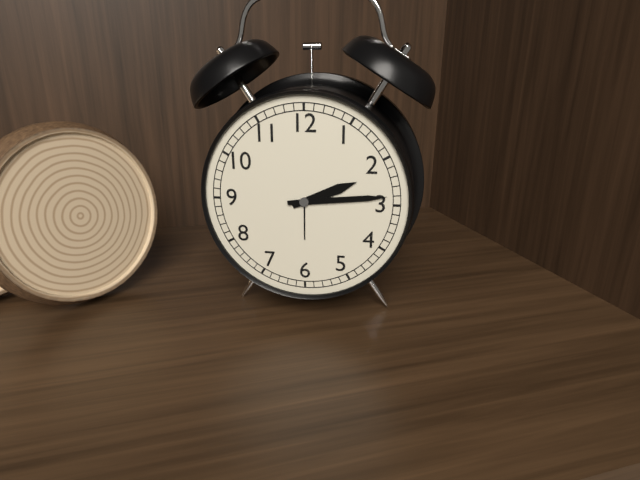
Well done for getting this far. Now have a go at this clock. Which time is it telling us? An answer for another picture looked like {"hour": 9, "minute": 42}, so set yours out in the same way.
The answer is {"hour": 2, "minute": 14}
